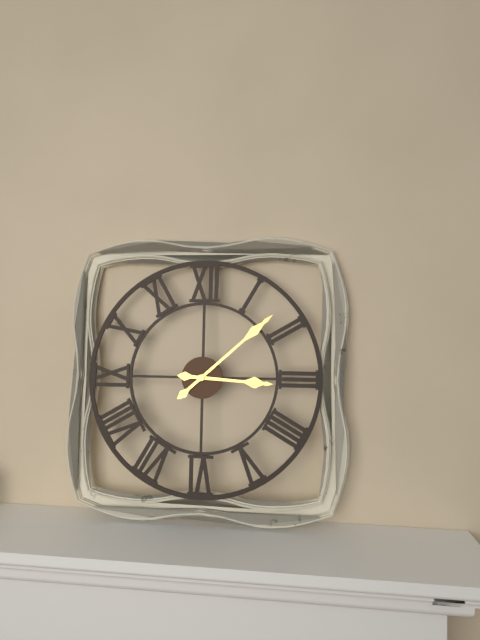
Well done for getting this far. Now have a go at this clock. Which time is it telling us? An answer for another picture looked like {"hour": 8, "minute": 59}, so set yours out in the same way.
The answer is {"hour": 3, "minute": 8}
